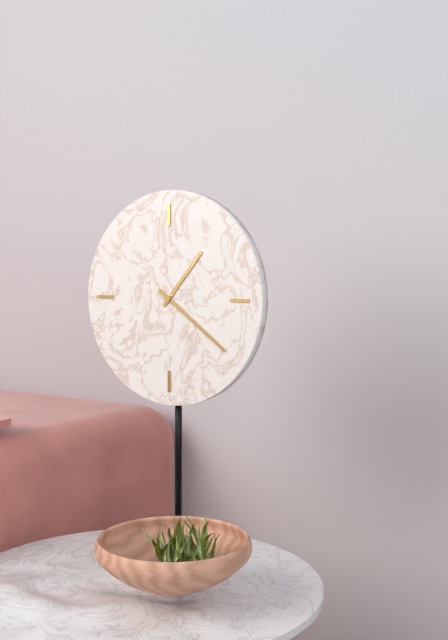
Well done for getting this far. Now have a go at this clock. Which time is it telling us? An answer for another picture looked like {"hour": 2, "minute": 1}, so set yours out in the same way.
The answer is {"hour": 1, "minute": 21}
